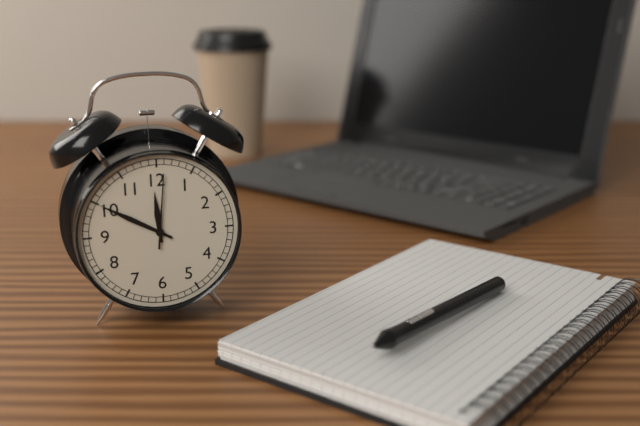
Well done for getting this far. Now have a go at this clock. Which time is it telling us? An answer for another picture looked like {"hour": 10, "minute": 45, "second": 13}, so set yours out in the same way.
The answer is {"hour": 11, "minute": 50, "second": 1}
